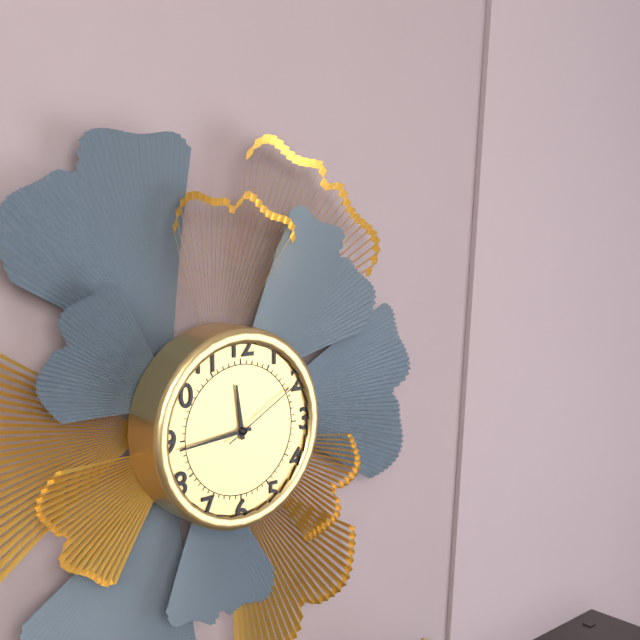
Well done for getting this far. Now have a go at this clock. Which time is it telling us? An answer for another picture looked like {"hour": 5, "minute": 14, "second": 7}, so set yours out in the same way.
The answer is {"hour": 11, "minute": 44, "second": 10}
